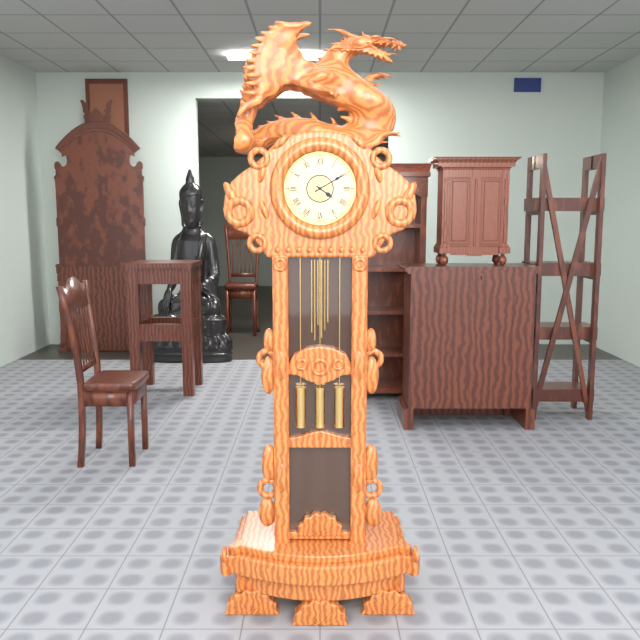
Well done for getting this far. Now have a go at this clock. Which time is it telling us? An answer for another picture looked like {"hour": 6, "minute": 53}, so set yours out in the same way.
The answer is {"hour": 4, "minute": 10}
